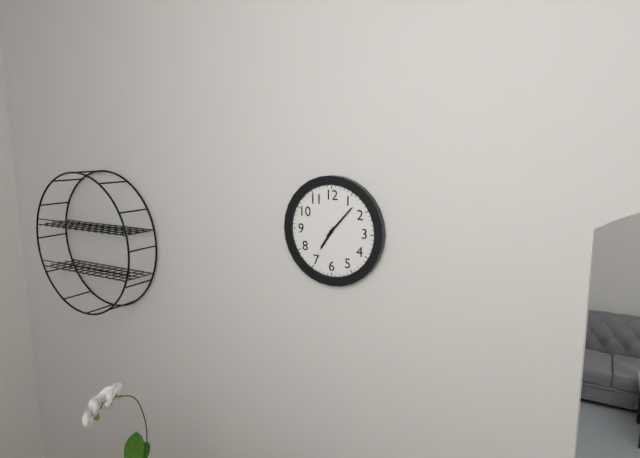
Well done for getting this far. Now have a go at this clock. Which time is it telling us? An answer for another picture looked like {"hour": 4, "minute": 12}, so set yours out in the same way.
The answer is {"hour": 7, "minute": 7}
